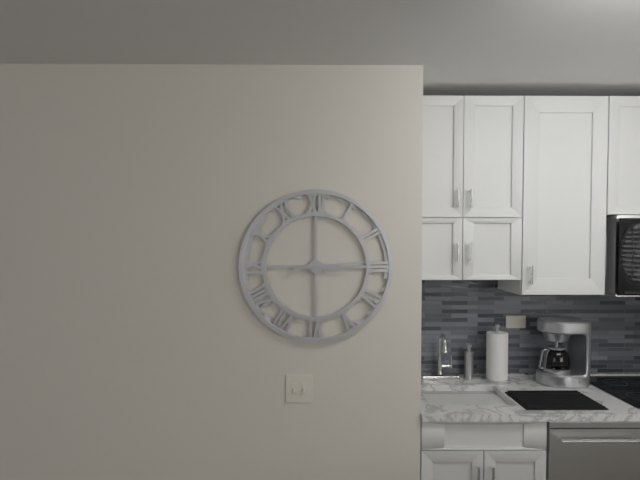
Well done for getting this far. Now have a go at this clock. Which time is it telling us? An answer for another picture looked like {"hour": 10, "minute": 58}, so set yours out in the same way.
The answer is {"hour": 3, "minute": 14}
